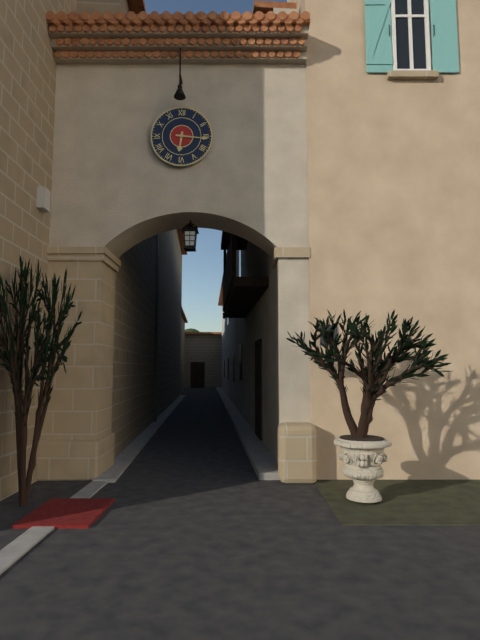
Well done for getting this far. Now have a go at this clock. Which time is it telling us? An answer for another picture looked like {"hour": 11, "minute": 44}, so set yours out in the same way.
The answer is {"hour": 6, "minute": 16}
